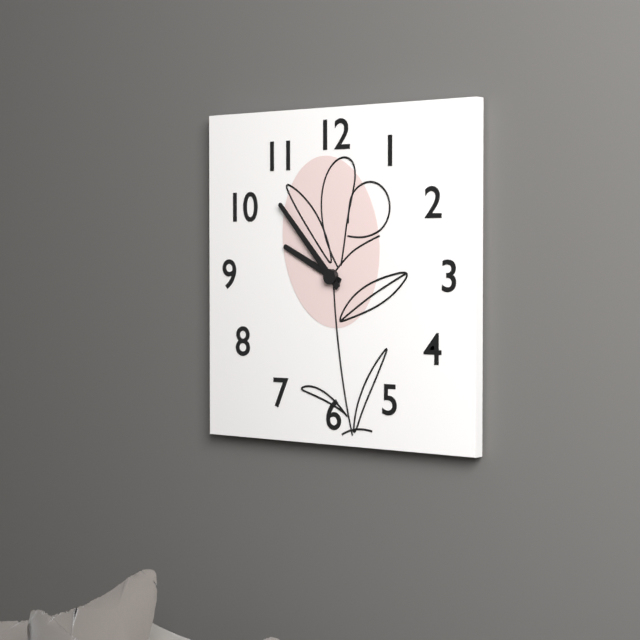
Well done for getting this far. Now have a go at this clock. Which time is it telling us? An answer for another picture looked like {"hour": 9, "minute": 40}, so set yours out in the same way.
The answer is {"hour": 9, "minute": 53}
